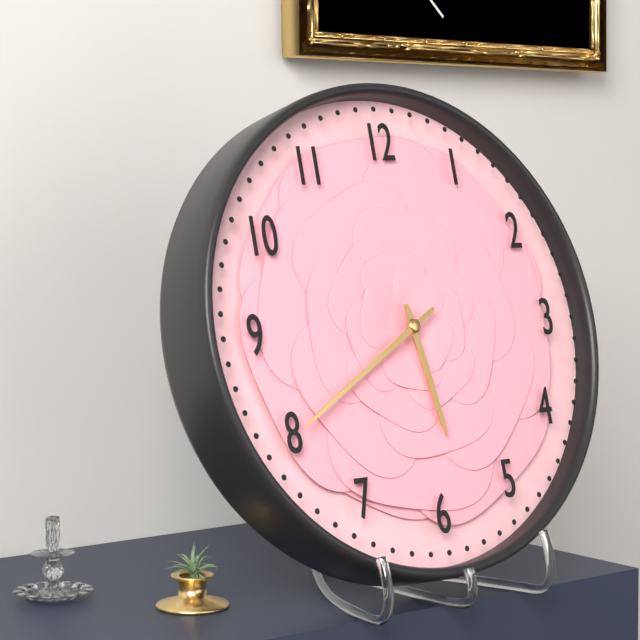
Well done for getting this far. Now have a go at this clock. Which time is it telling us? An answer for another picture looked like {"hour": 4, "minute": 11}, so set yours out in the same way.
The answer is {"hour": 5, "minute": 40}
